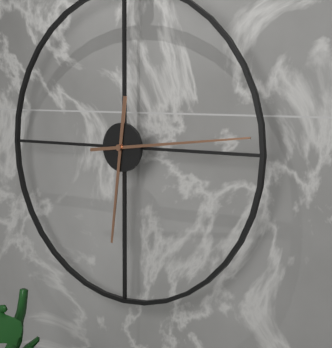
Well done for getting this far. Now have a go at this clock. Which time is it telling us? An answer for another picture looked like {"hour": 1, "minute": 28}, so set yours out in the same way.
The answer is {"hour": 6, "minute": 14}
